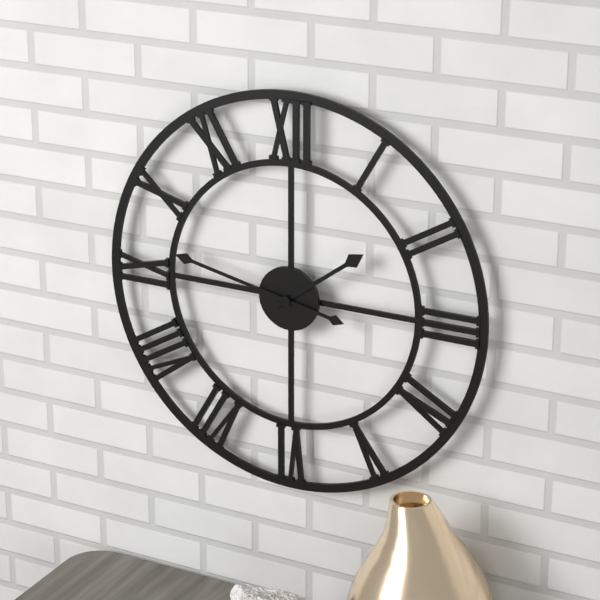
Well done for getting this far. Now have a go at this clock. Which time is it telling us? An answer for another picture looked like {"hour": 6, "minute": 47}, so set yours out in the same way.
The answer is {"hour": 1, "minute": 47}
